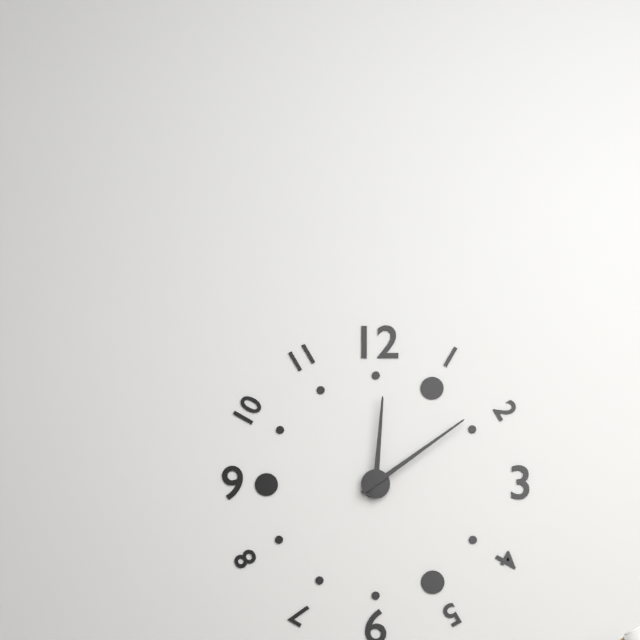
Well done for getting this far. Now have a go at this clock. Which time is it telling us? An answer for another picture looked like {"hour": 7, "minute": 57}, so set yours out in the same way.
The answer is {"hour": 12, "minute": 9}
